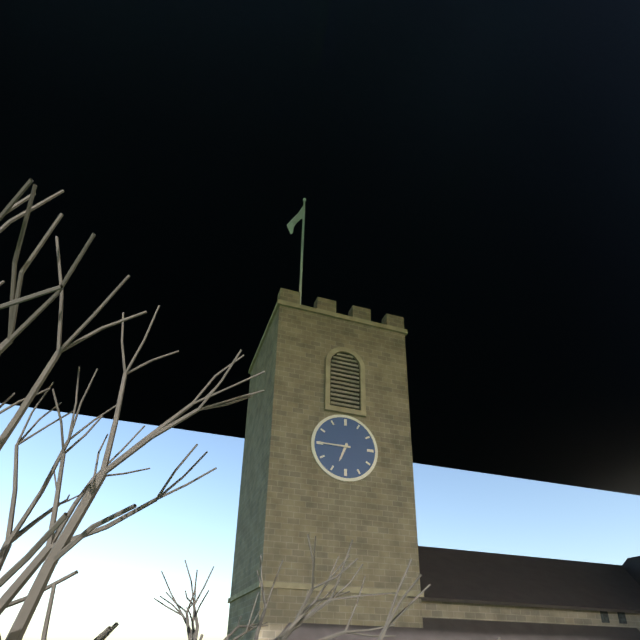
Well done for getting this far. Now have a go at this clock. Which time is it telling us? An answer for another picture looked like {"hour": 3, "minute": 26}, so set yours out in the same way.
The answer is {"hour": 6, "minute": 45}
